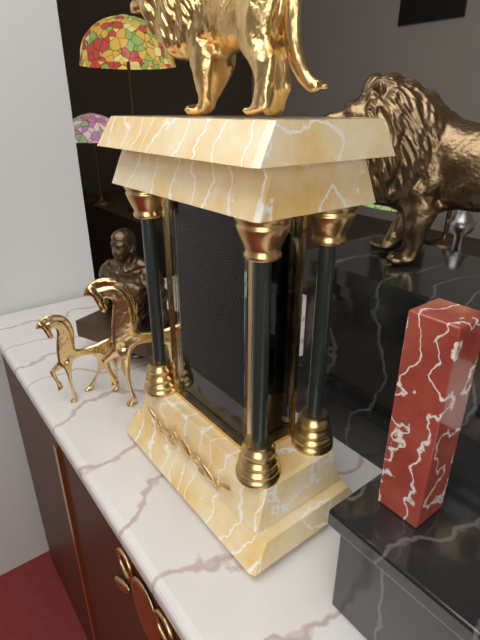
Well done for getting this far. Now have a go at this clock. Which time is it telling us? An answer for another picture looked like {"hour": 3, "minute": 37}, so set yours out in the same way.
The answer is {"hour": 5, "minute": 25}
